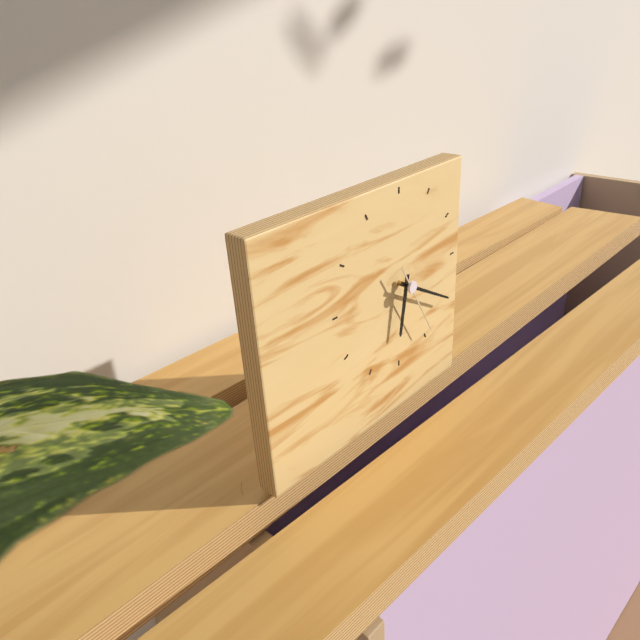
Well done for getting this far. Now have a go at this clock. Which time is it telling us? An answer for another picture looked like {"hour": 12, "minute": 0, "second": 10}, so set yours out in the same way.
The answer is {"hour": 6, "minute": 20, "second": 25}
